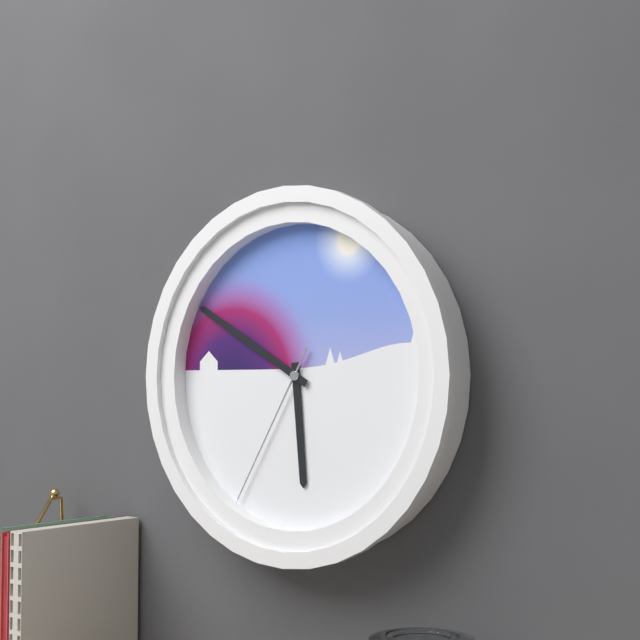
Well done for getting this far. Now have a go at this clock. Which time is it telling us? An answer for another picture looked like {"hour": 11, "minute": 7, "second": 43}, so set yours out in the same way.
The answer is {"hour": 5, "minute": 50, "second": 35}
